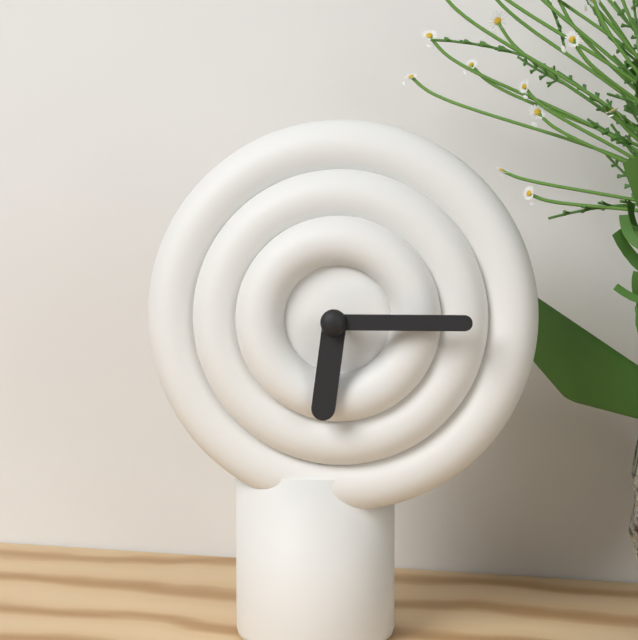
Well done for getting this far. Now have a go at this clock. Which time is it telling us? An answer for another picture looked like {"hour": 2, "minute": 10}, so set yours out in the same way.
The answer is {"hour": 6, "minute": 15}
